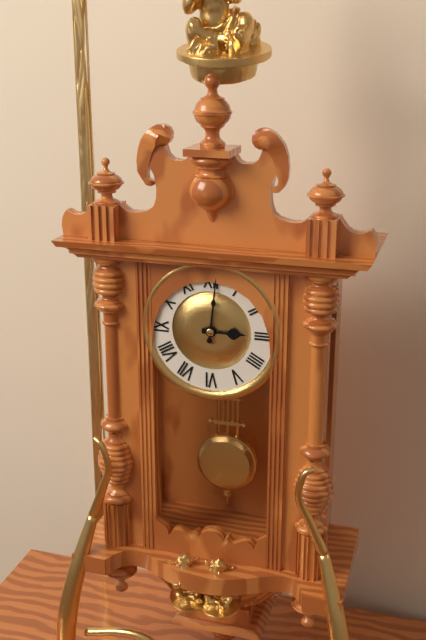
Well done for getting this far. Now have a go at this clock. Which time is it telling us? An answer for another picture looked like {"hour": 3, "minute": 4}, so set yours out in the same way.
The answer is {"hour": 3, "minute": 1}
